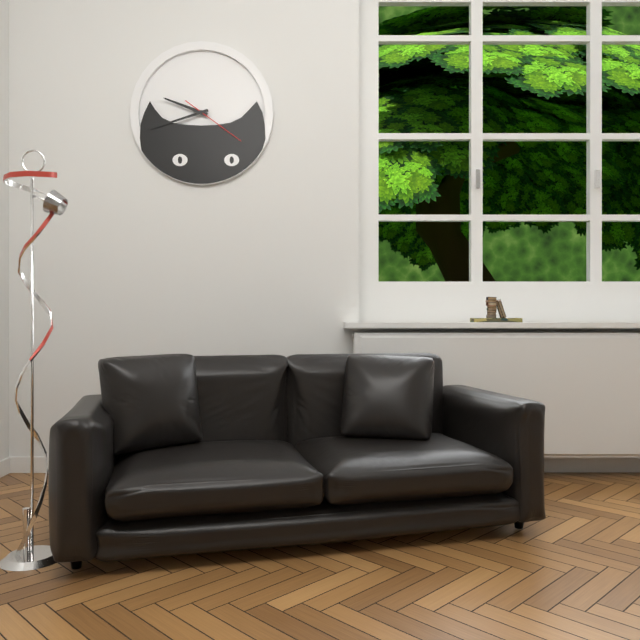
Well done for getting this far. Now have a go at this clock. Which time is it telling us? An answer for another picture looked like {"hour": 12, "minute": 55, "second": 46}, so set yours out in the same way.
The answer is {"hour": 9, "minute": 42, "second": 21}
